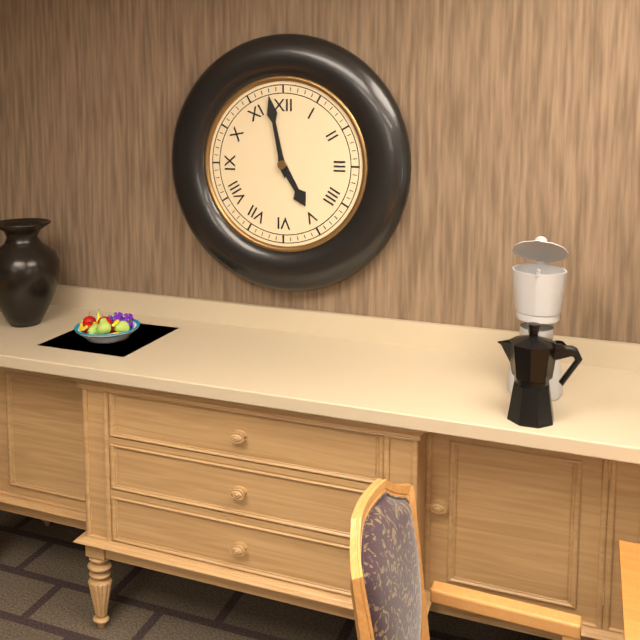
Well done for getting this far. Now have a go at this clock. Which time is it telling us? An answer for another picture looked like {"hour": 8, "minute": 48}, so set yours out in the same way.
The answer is {"hour": 4, "minute": 58}
